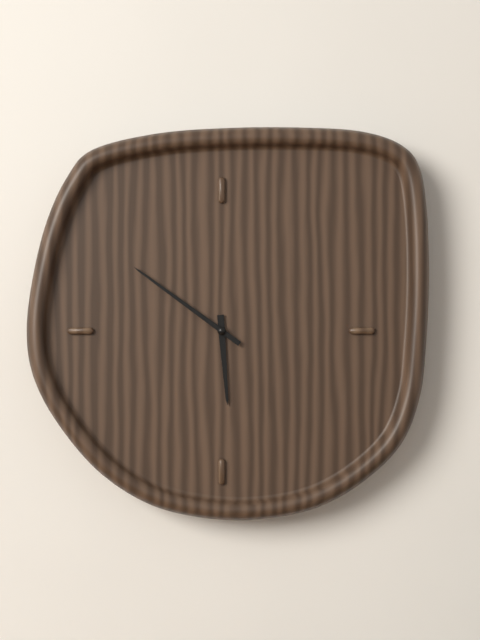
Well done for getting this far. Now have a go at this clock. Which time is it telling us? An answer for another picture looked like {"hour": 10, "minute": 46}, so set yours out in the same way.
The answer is {"hour": 5, "minute": 51}
